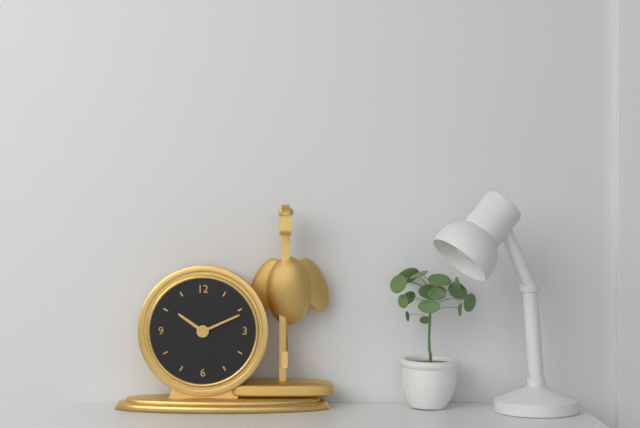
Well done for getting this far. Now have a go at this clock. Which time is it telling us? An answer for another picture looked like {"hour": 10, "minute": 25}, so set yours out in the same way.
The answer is {"hour": 10, "minute": 11}
